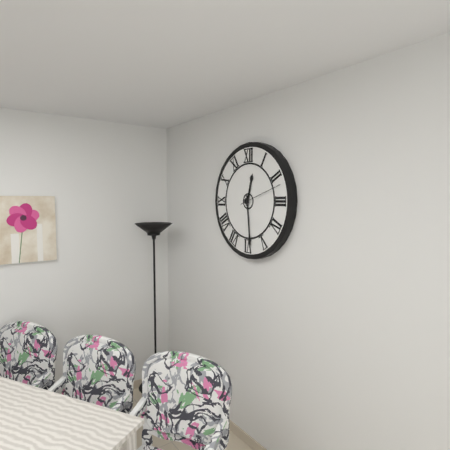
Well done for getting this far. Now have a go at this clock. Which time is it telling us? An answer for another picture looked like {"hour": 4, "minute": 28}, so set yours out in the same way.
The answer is {"hour": 12, "minute": 29}
